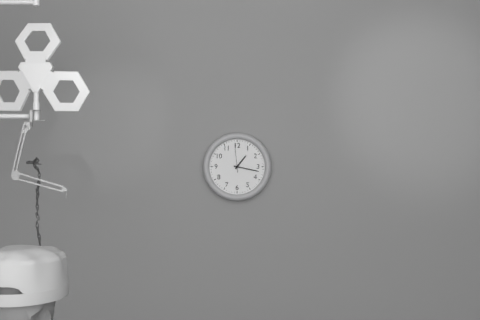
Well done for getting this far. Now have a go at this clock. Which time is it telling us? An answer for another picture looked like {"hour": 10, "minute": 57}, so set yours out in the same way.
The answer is {"hour": 1, "minute": 17}
